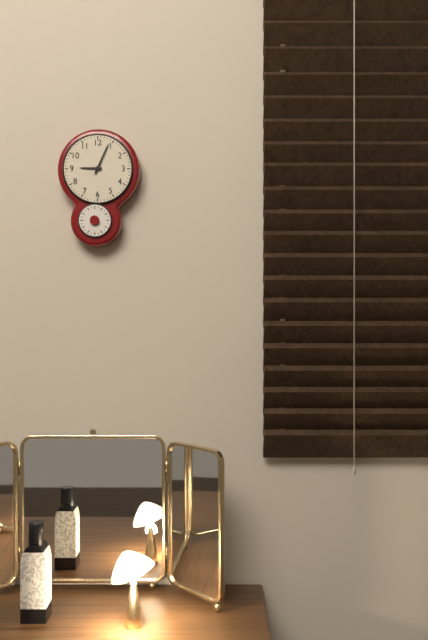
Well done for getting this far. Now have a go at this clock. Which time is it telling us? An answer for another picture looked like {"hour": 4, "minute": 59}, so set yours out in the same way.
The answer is {"hour": 9, "minute": 4}
